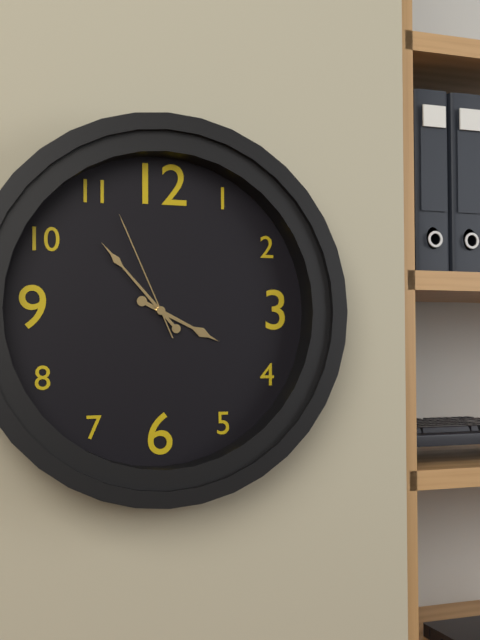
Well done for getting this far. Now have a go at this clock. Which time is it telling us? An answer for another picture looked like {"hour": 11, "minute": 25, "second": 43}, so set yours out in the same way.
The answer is {"hour": 3, "minute": 53, "second": 56}
